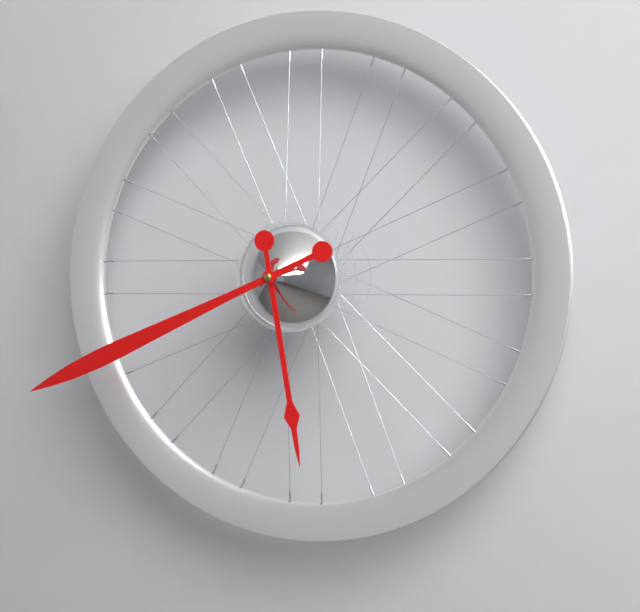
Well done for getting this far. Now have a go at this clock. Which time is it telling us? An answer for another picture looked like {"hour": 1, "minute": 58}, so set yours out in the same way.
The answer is {"hour": 5, "minute": 41}
